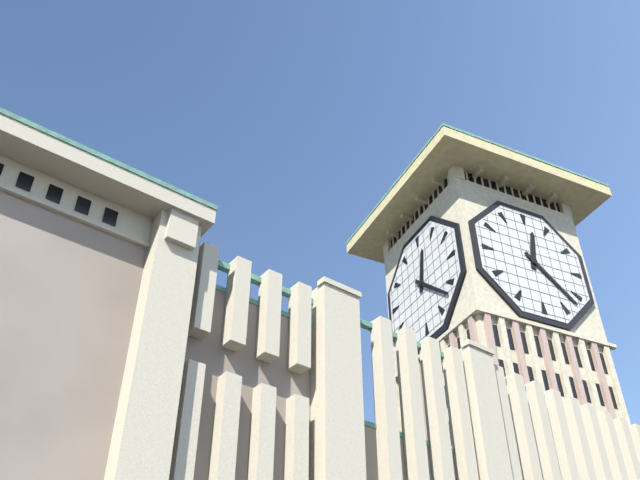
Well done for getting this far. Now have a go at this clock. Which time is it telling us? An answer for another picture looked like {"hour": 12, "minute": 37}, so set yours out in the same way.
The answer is {"hour": 12, "minute": 22}
